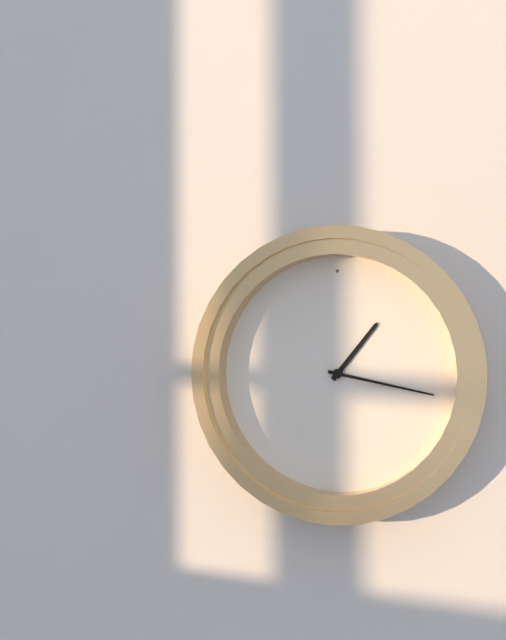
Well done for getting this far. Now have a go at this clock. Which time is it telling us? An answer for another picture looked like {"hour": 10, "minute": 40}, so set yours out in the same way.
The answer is {"hour": 1, "minute": 17}
